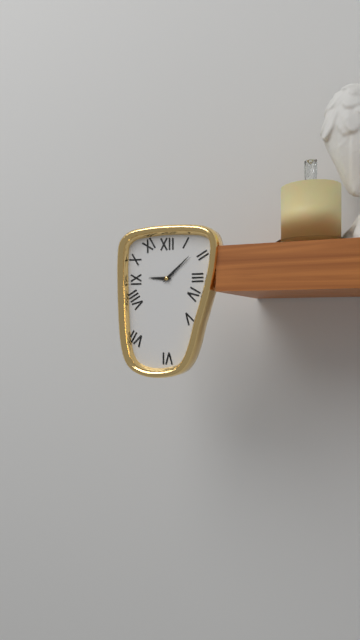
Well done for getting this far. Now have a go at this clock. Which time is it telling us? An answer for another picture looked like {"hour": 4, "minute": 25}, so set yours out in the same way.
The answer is {"hour": 9, "minute": 8}
